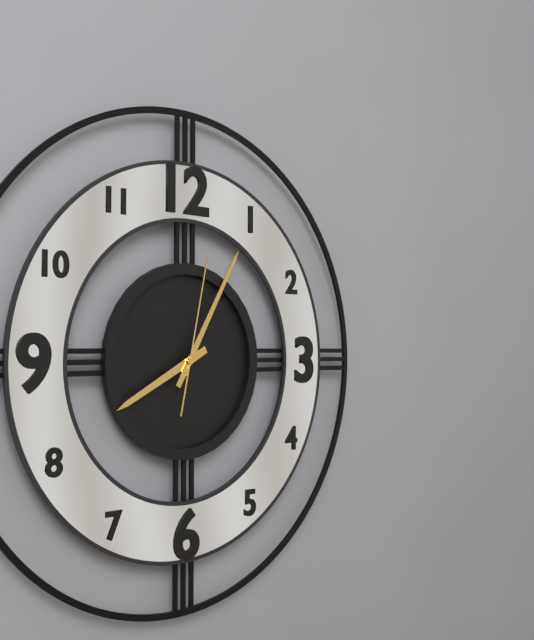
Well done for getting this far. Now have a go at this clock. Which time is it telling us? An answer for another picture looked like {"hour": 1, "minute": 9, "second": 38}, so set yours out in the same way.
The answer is {"hour": 8, "minute": 5, "second": 2}
